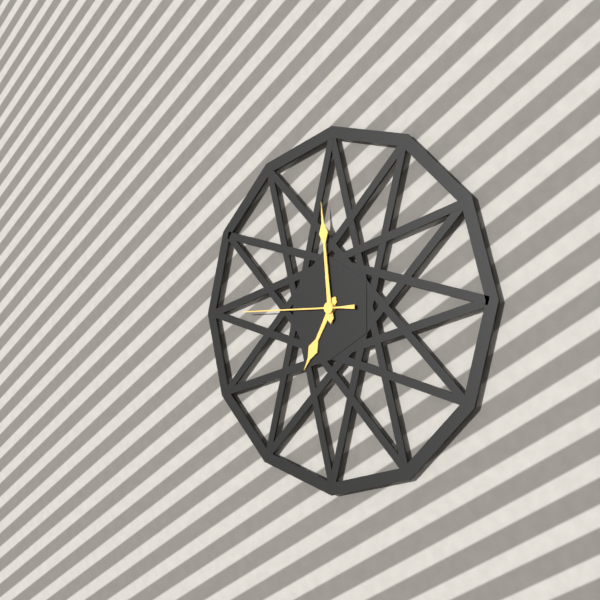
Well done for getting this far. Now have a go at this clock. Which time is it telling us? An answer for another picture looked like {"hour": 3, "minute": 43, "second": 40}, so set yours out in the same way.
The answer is {"hour": 6, "minute": 59, "second": 45}
